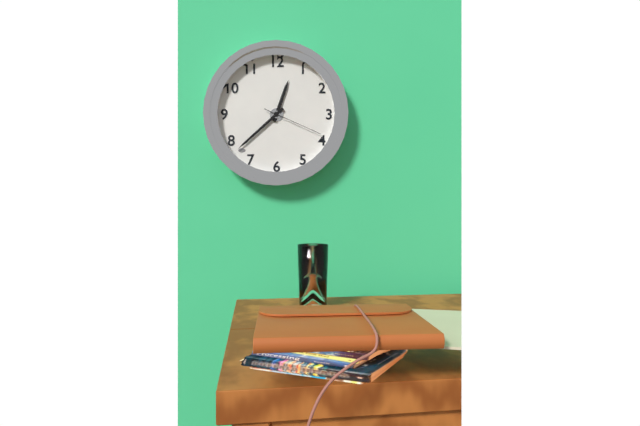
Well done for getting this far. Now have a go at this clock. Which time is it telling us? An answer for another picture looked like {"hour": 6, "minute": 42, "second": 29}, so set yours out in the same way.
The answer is {"hour": 12, "minute": 38, "second": 19}
